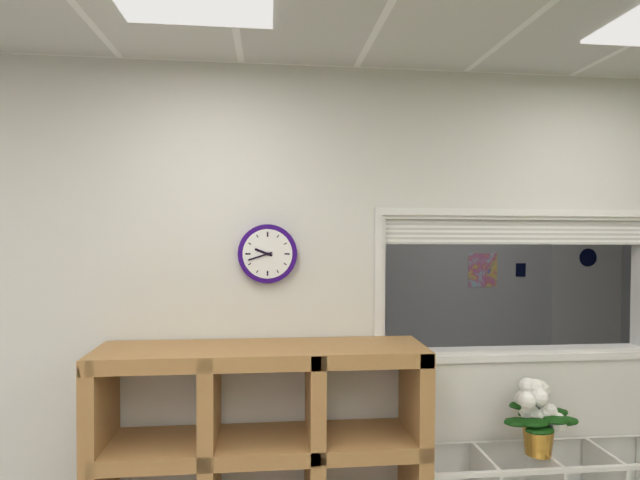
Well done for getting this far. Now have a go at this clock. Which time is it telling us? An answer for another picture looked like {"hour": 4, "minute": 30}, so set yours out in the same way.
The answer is {"hour": 9, "minute": 42}
